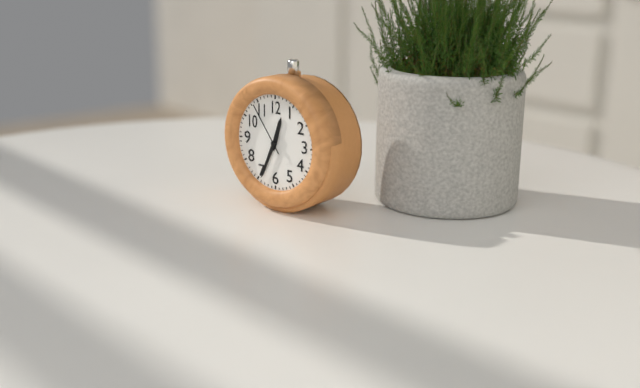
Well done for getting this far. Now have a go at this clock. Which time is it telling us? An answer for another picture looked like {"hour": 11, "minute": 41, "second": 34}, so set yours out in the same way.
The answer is {"hour": 12, "minute": 34, "second": 54}
